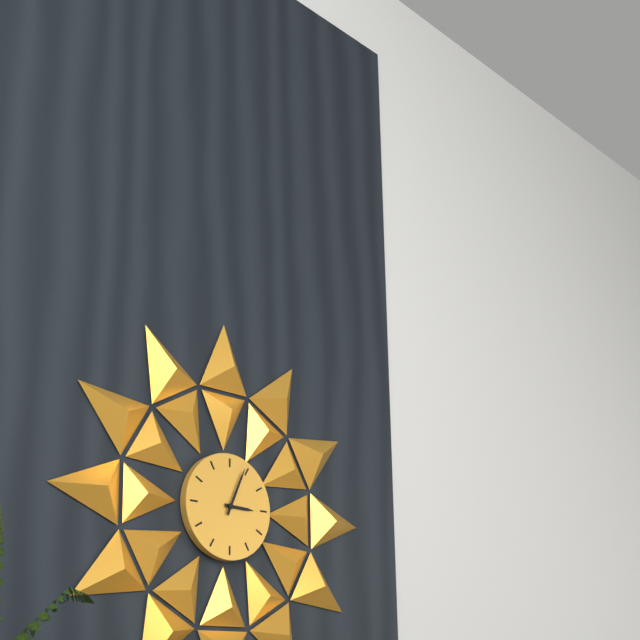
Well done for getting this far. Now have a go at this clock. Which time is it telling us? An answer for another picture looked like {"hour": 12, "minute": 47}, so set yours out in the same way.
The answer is {"hour": 3, "minute": 4}
